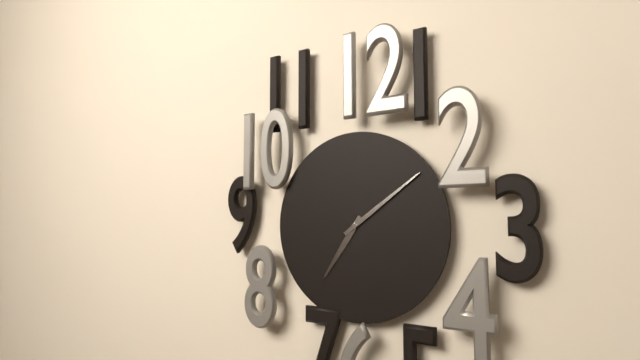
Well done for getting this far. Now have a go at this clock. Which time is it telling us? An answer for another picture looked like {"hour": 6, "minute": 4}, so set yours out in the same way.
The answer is {"hour": 7, "minute": 9}
